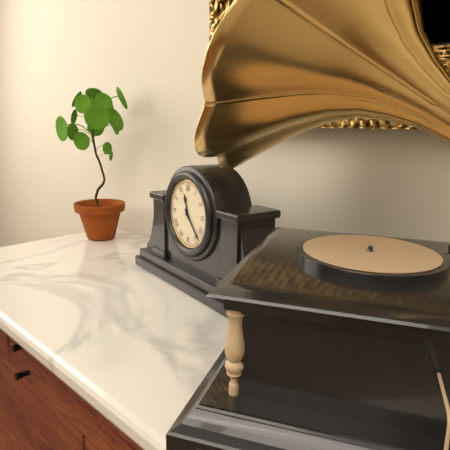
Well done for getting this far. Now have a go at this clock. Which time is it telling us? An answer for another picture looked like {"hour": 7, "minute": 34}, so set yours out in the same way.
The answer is {"hour": 11, "minute": 23}
